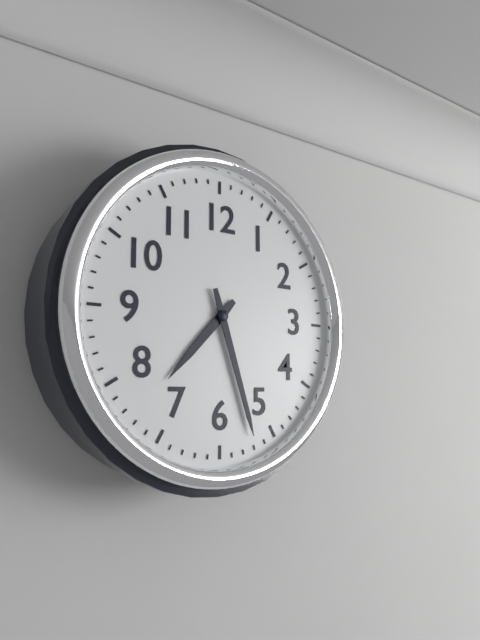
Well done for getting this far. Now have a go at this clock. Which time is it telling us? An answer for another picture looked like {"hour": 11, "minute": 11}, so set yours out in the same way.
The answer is {"hour": 7, "minute": 27}
